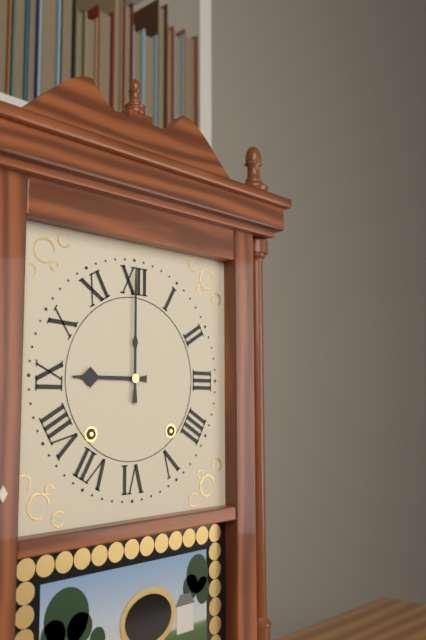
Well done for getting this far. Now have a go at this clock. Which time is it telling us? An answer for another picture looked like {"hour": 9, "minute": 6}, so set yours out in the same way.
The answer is {"hour": 9, "minute": 0}
